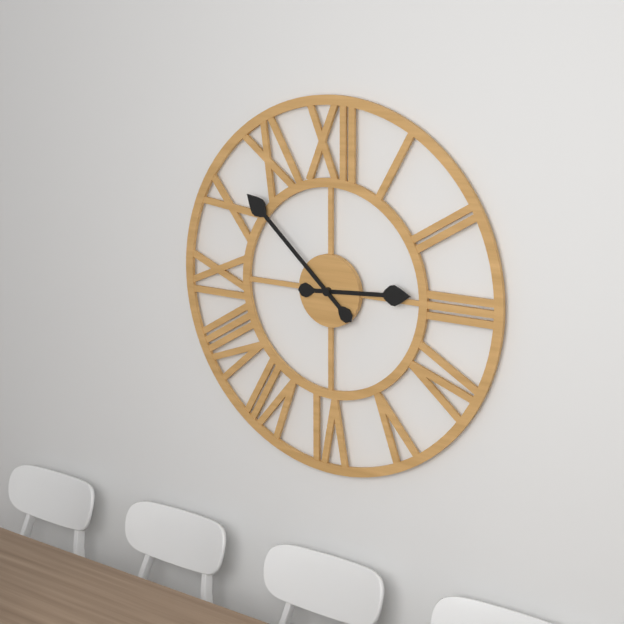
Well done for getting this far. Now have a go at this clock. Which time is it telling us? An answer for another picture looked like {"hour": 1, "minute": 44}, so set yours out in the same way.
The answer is {"hour": 2, "minute": 52}
